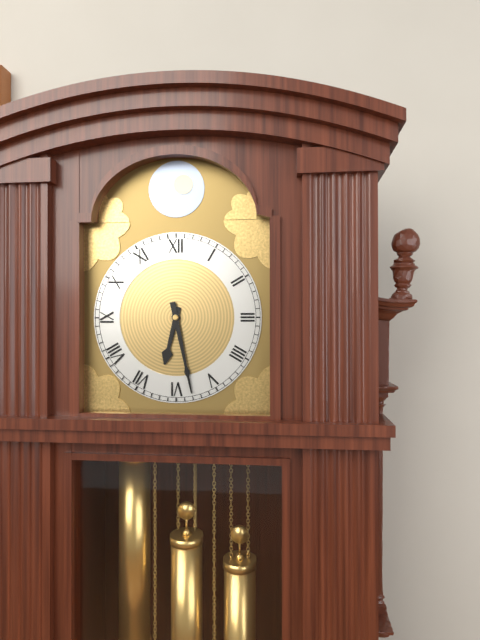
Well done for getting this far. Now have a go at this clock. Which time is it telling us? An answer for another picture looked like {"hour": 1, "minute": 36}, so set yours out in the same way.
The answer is {"hour": 6, "minute": 28}
